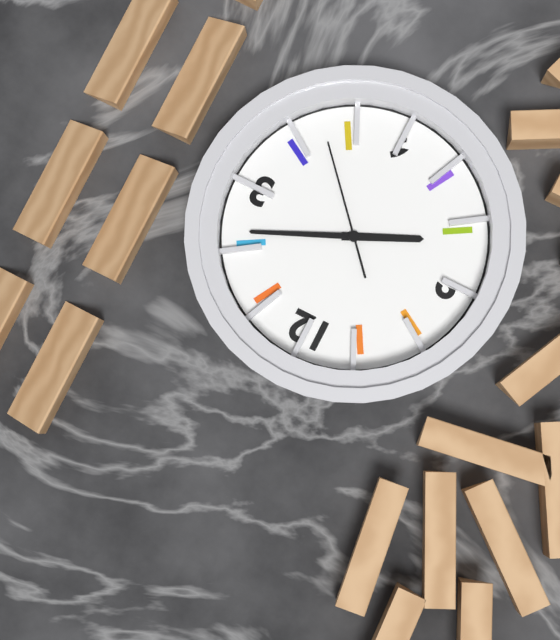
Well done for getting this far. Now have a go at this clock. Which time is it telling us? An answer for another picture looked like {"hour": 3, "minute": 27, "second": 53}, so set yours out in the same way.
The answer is {"hour": 8, "minute": 11, "second": 23}
